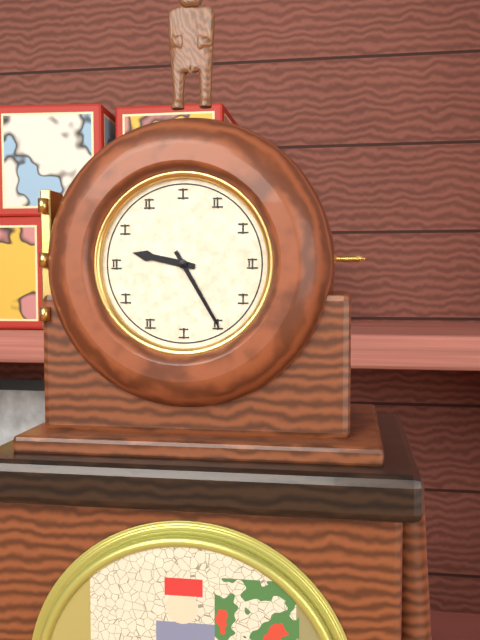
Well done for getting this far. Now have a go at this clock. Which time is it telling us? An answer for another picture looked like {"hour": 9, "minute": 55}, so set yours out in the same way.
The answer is {"hour": 9, "minute": 25}
